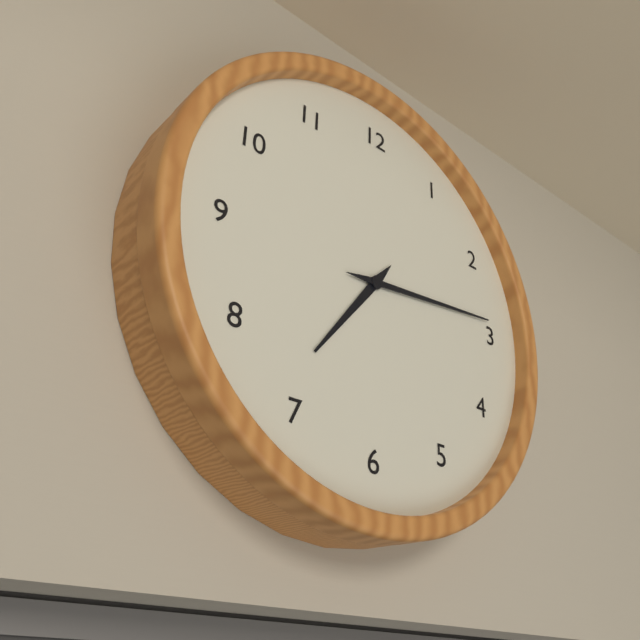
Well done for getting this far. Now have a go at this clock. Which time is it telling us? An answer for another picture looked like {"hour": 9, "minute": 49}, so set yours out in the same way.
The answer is {"hour": 7, "minute": 14}
